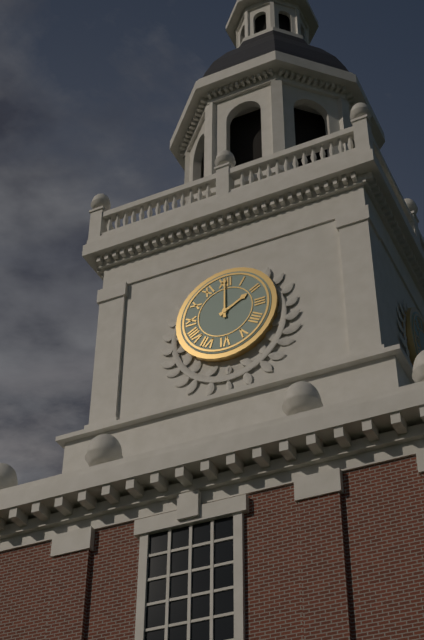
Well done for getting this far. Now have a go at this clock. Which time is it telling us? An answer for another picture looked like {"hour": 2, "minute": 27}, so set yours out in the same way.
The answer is {"hour": 2, "minute": 0}
